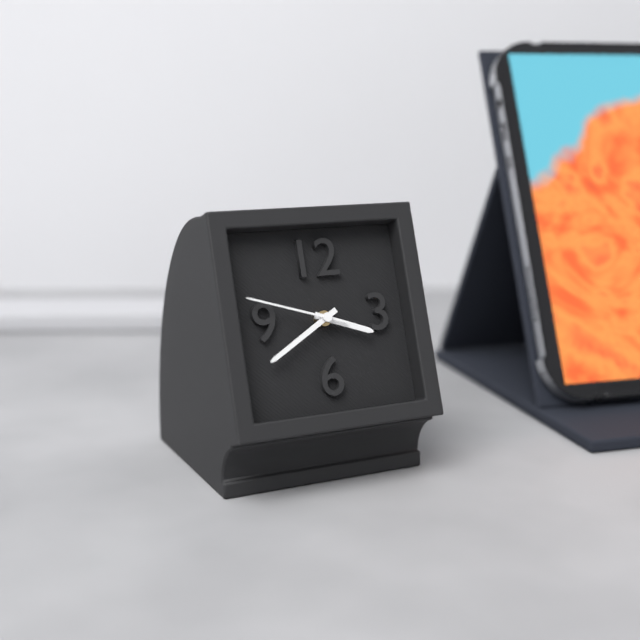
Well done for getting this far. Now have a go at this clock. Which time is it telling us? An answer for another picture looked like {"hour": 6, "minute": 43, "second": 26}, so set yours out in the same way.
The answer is {"hour": 3, "minute": 40, "second": 48}
